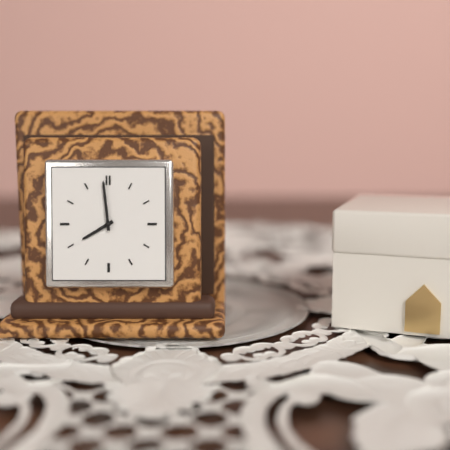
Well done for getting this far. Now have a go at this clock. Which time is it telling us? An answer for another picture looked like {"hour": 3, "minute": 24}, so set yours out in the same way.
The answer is {"hour": 7, "minute": 59}
